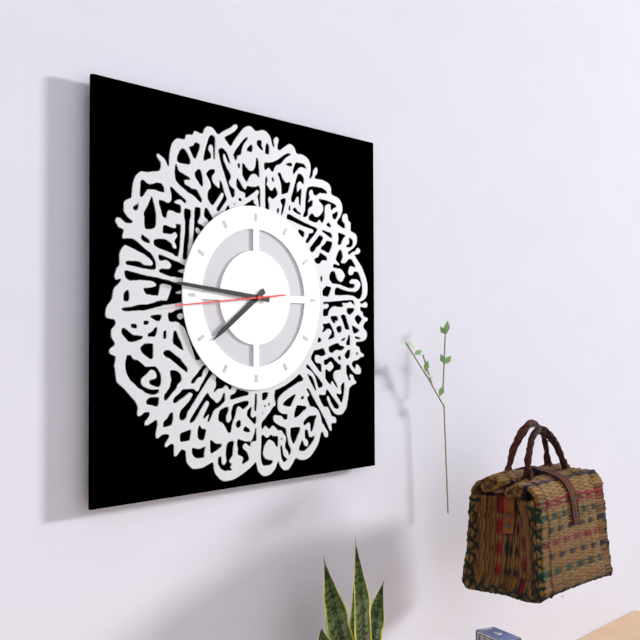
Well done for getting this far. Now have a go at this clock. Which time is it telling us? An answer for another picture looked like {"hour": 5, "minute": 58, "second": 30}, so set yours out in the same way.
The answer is {"hour": 7, "minute": 46, "second": 44}
